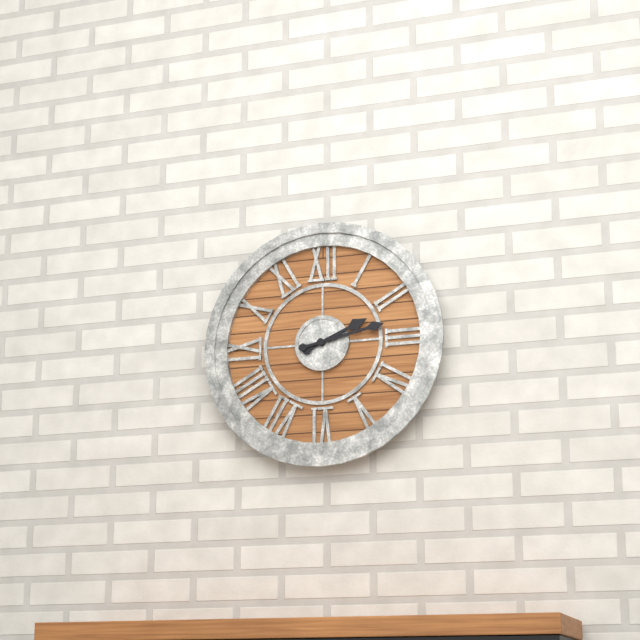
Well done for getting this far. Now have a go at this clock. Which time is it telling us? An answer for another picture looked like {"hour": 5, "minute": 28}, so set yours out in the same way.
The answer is {"hour": 2, "minute": 13}
